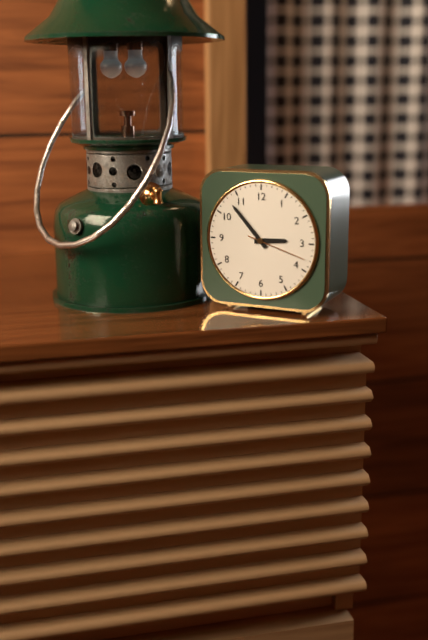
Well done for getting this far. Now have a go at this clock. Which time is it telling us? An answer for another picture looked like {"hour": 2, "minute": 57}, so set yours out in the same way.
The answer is {"hour": 2, "minute": 53}
